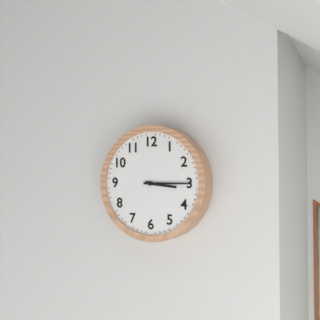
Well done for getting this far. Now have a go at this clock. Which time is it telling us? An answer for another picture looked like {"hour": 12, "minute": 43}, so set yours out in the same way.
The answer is {"hour": 3, "minute": 15}
